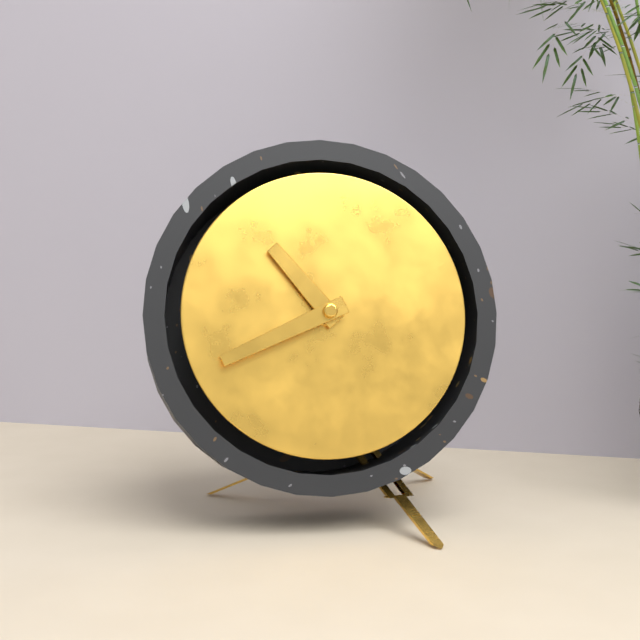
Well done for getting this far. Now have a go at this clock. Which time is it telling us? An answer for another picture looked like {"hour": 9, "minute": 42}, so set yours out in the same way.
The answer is {"hour": 10, "minute": 41}
